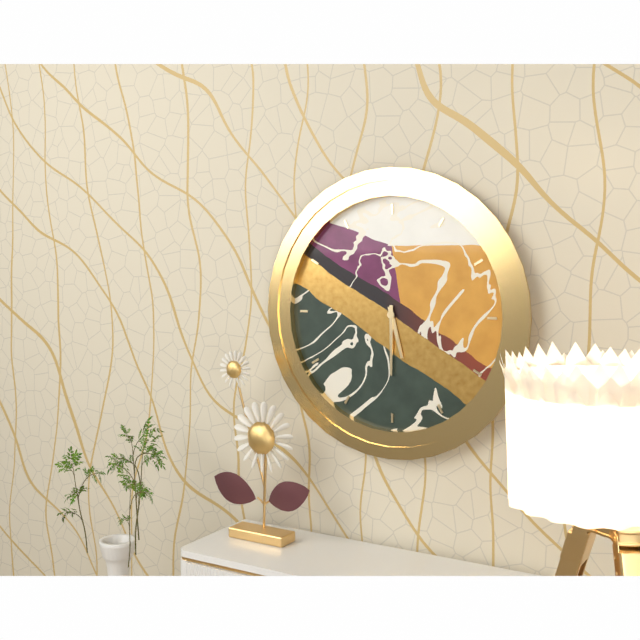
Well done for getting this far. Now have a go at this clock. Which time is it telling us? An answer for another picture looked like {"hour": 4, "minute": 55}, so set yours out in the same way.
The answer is {"hour": 5, "minute": 30}
